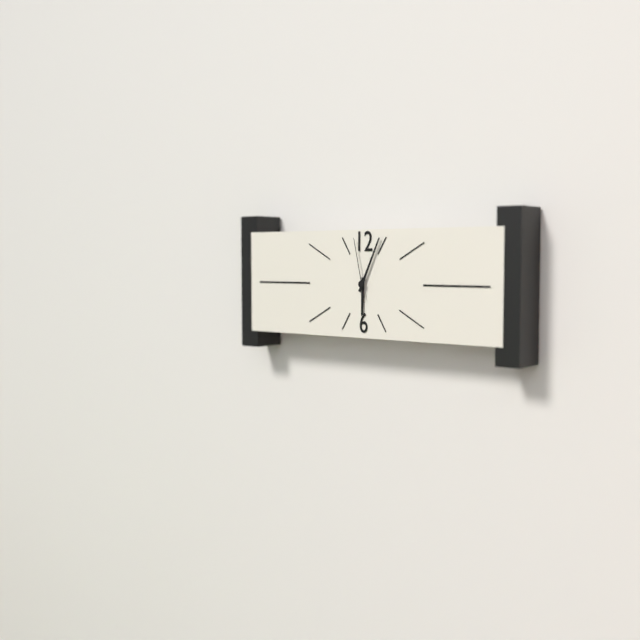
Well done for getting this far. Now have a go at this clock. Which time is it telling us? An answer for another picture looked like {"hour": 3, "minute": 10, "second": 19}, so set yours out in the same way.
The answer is {"hour": 6, "minute": 4, "second": 58}
